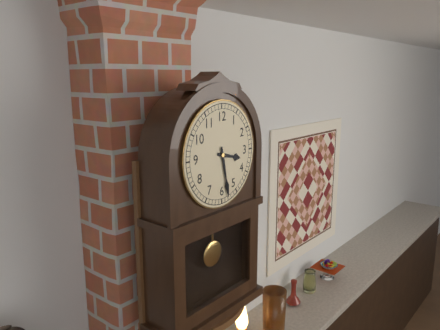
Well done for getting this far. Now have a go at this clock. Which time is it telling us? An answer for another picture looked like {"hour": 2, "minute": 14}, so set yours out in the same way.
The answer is {"hour": 3, "minute": 28}
